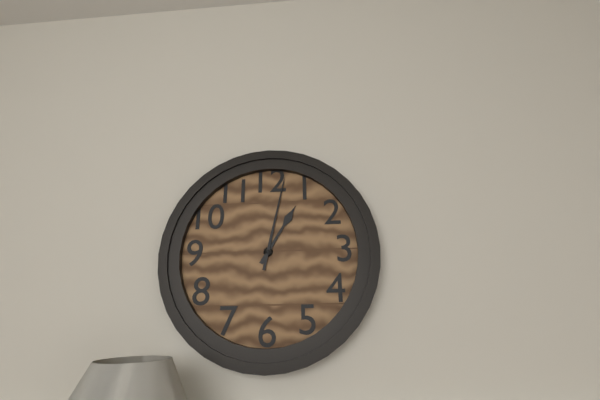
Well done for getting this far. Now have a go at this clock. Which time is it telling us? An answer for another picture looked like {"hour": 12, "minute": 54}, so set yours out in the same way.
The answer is {"hour": 1, "minute": 2}
